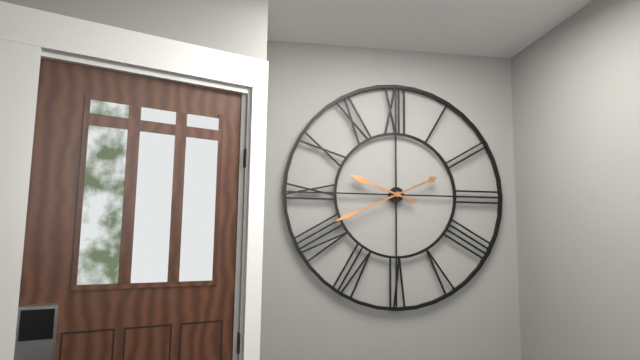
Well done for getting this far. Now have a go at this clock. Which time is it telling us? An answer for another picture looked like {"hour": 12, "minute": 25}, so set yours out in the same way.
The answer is {"hour": 9, "minute": 41}
